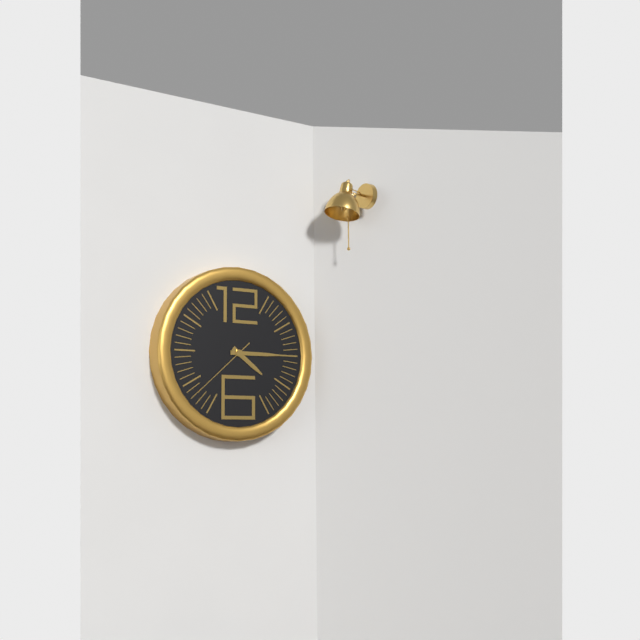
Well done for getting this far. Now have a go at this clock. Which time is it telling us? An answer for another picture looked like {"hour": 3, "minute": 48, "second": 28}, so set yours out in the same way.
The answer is {"hour": 4, "minute": 15, "second": 38}
